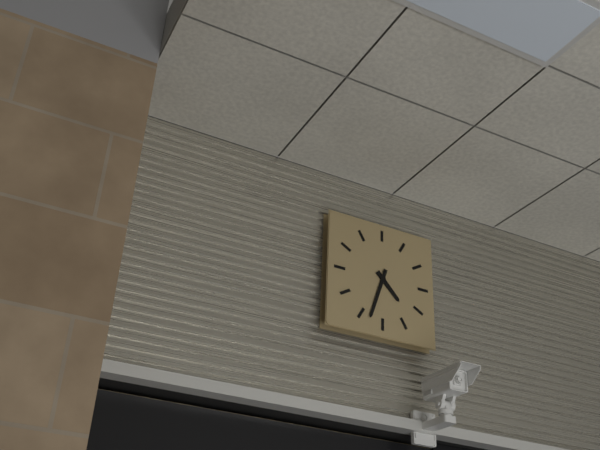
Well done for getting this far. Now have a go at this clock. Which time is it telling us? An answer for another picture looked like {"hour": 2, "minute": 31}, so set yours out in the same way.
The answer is {"hour": 4, "minute": 33}
